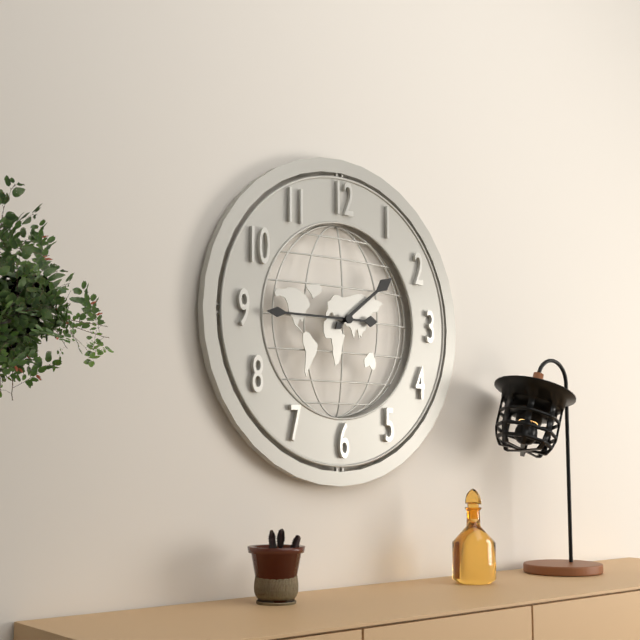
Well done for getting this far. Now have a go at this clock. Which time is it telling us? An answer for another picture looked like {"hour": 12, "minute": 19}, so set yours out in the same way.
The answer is {"hour": 1, "minute": 45}
